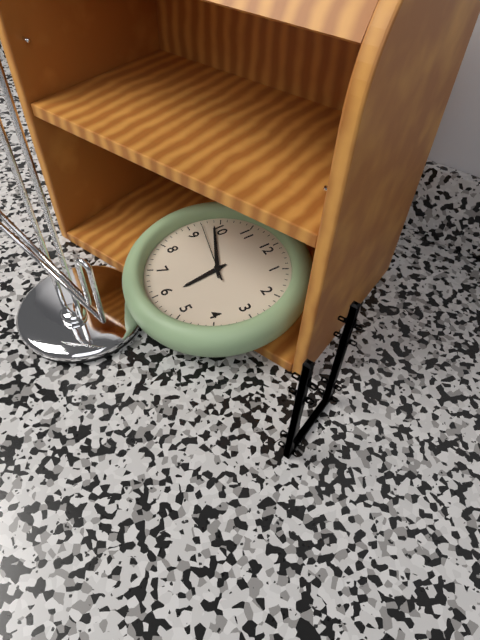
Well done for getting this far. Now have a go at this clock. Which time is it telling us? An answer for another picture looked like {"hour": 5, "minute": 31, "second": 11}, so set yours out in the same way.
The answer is {"hour": 5, "minute": 49, "second": 47}
